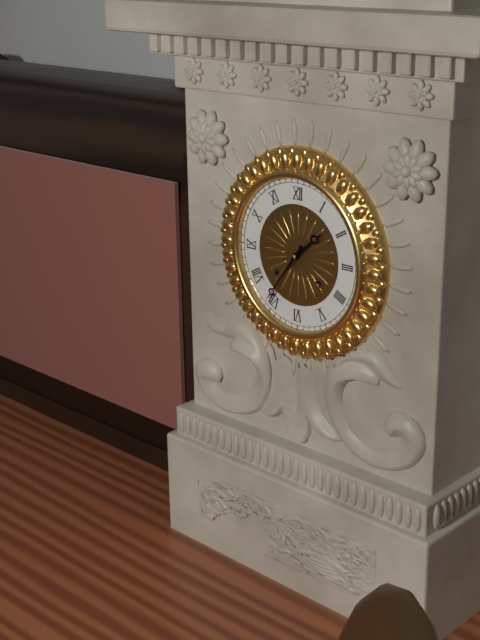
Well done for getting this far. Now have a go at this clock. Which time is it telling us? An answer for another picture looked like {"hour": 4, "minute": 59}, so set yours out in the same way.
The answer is {"hour": 1, "minute": 36}
